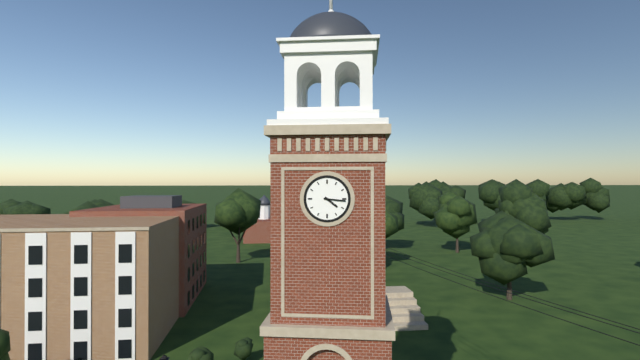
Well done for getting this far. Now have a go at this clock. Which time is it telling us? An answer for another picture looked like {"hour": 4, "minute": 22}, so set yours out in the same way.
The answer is {"hour": 4, "minute": 16}
